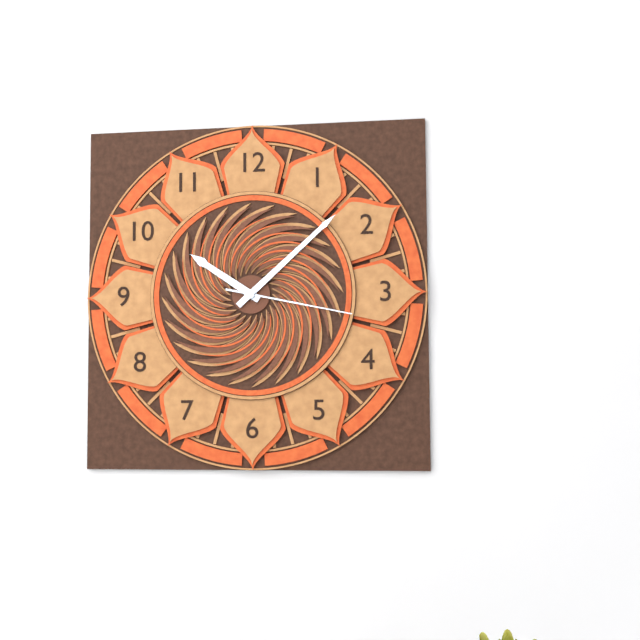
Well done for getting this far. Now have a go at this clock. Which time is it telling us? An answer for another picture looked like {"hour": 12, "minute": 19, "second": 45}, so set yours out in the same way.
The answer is {"hour": 10, "minute": 8, "second": 17}
